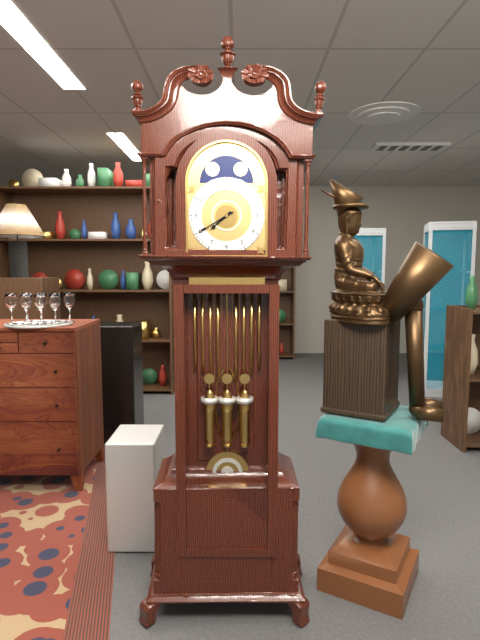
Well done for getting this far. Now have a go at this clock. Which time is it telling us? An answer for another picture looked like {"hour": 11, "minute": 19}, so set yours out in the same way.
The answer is {"hour": 7, "minute": 40}
